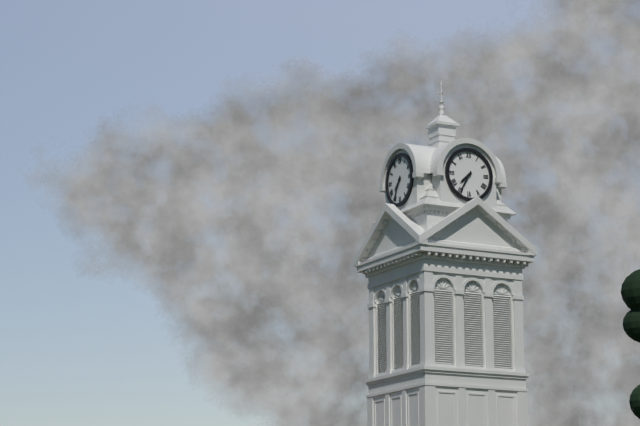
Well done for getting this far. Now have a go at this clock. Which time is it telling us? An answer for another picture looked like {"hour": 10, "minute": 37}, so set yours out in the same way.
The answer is {"hour": 7, "minute": 35}
